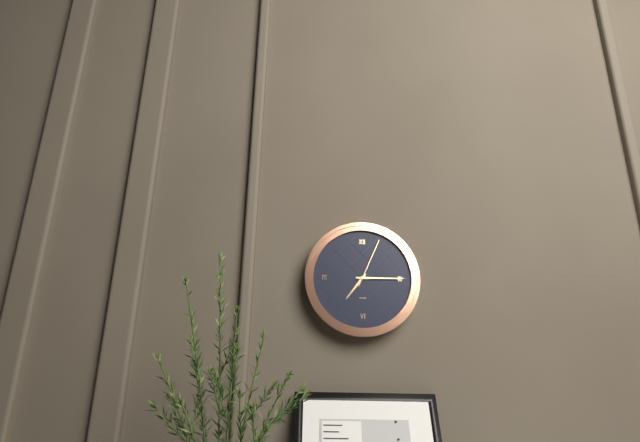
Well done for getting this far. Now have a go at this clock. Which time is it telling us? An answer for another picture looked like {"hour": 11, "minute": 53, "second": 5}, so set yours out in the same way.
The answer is {"hour": 7, "minute": 15, "second": 4}
